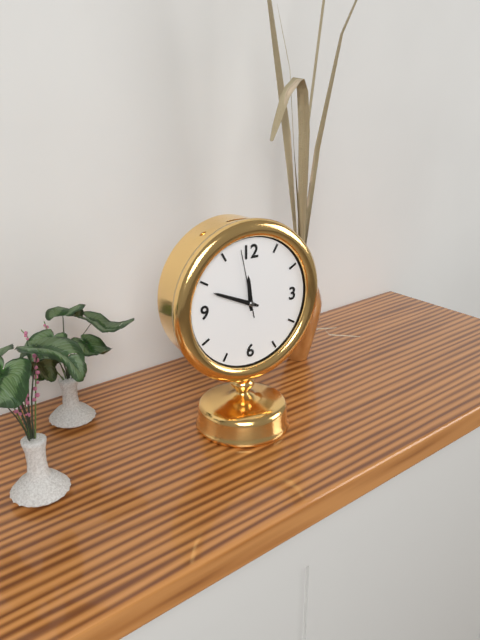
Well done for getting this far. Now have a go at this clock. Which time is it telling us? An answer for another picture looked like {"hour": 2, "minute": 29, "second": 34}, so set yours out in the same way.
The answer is {"hour": 11, "minute": 49, "second": 58}
